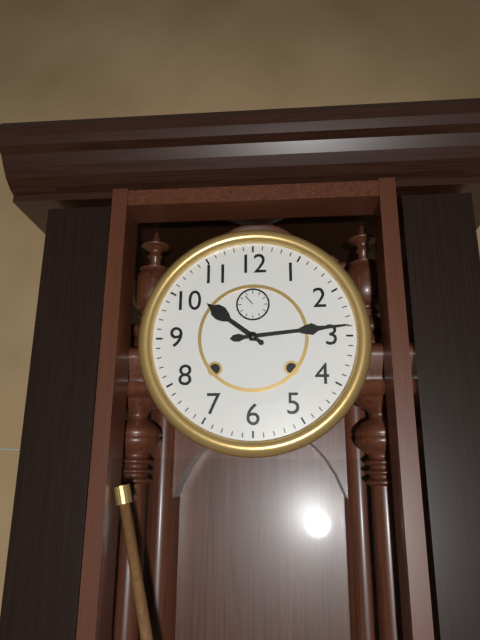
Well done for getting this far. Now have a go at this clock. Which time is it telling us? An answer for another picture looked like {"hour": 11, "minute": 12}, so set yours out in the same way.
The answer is {"hour": 10, "minute": 14}
